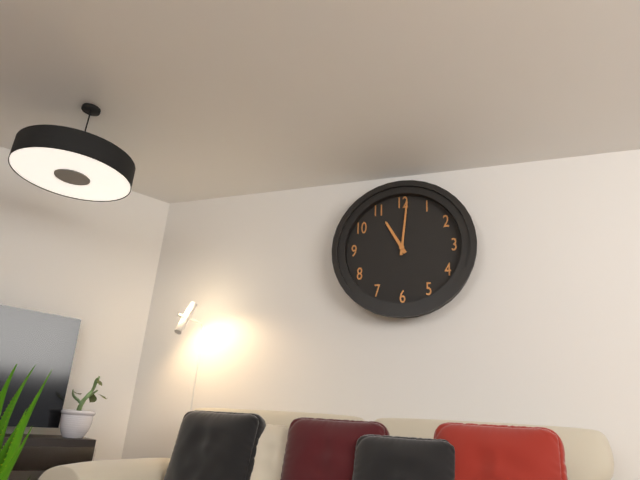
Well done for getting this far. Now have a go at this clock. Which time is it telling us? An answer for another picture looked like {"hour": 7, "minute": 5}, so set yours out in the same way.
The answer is {"hour": 11, "minute": 1}
